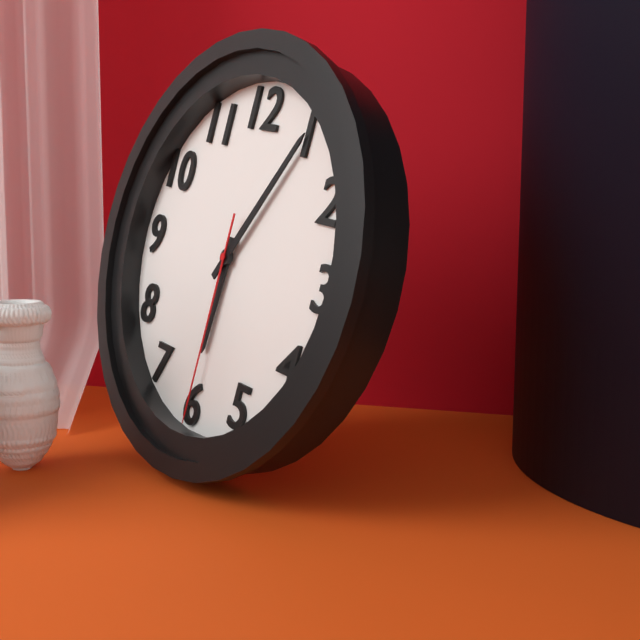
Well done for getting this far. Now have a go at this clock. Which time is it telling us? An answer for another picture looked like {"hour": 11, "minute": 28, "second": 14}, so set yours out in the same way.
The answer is {"hour": 6, "minute": 5, "second": 30}
